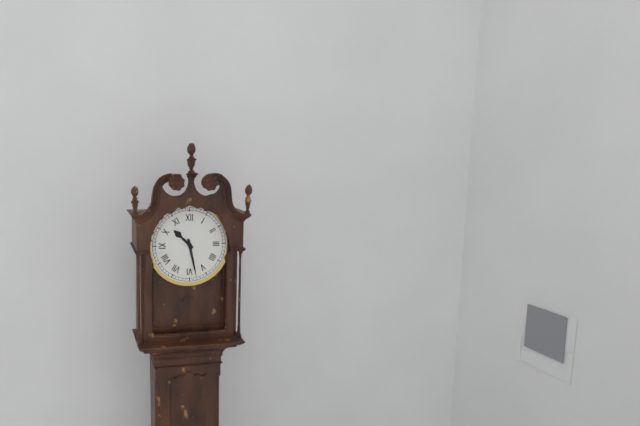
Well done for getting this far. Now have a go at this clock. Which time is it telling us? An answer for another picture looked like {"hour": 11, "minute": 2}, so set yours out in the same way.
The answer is {"hour": 10, "minute": 28}
